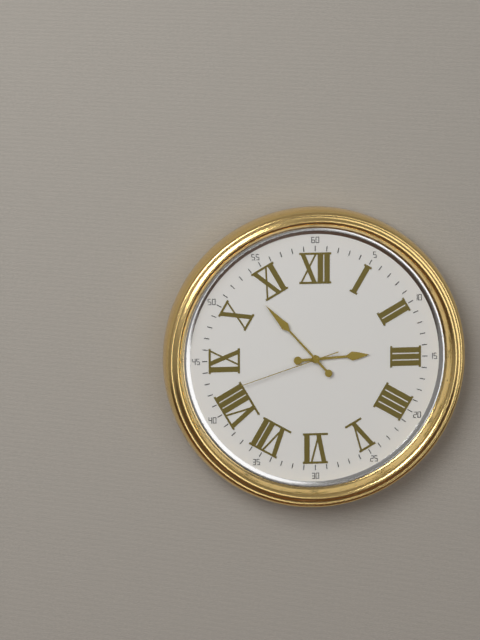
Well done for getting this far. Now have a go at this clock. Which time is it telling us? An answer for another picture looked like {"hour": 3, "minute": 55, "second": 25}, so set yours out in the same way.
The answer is {"hour": 2, "minute": 53, "second": 42}
